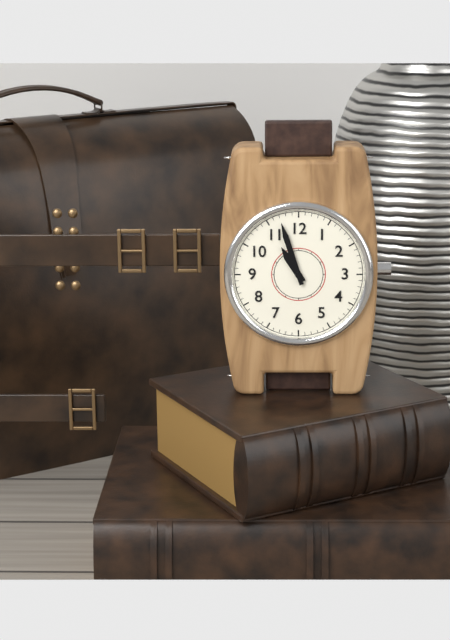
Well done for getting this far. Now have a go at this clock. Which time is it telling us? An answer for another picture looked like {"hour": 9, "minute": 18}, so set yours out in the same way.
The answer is {"hour": 10, "minute": 57}
